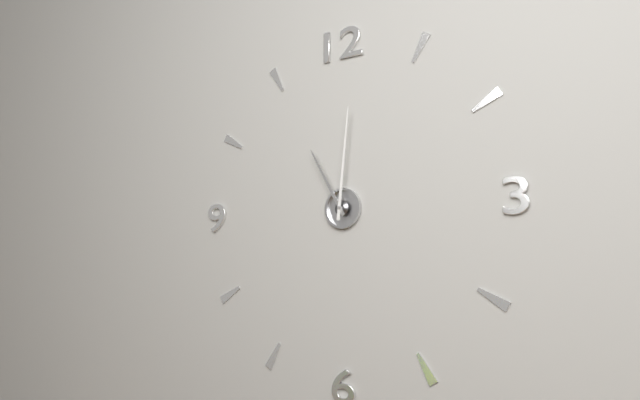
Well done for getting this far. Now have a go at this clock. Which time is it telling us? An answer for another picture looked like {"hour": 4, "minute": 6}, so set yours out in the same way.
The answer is {"hour": 11, "minute": 1}
